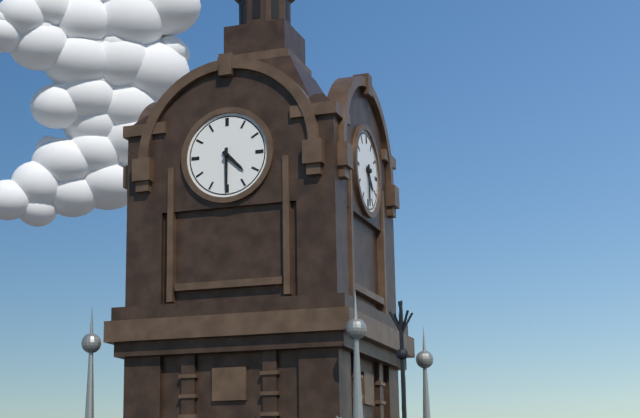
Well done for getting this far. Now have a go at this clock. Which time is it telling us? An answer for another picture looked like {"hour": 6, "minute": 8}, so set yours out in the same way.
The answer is {"hour": 4, "minute": 30}
